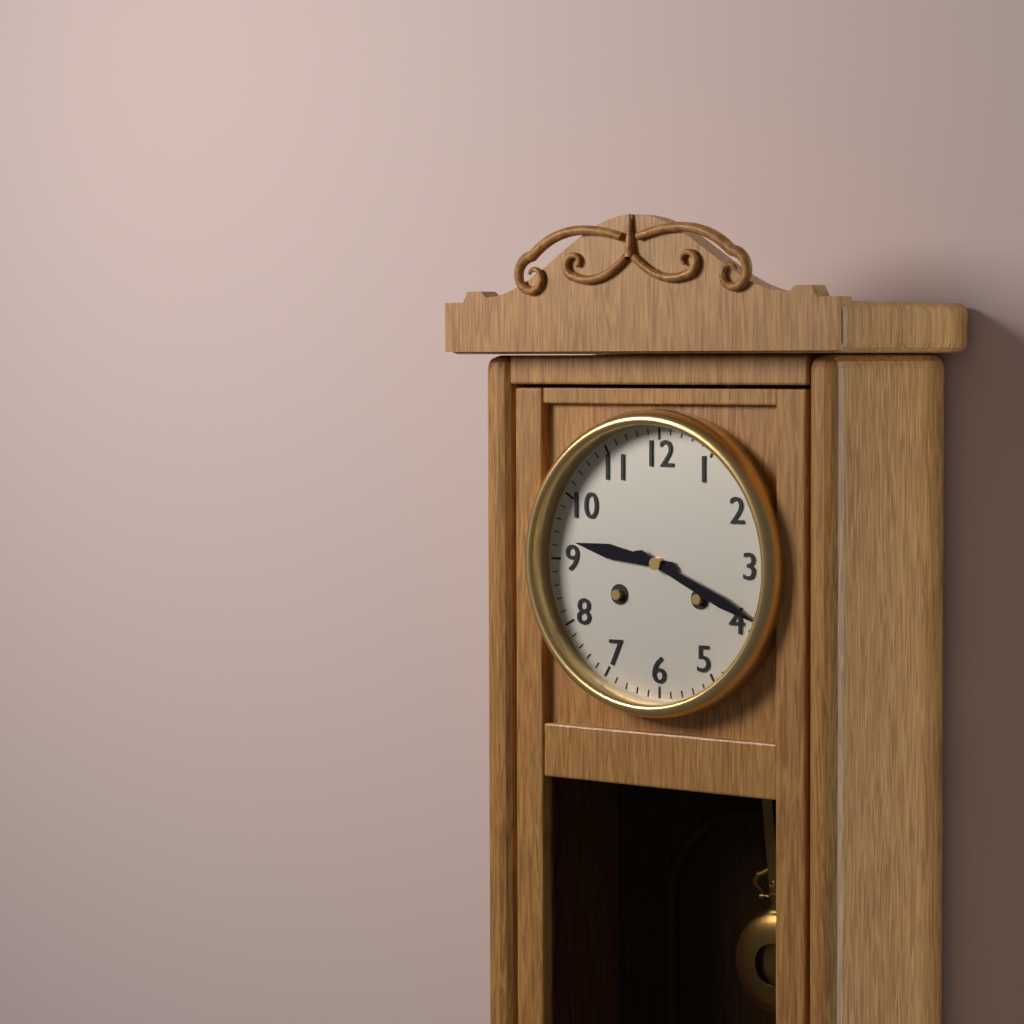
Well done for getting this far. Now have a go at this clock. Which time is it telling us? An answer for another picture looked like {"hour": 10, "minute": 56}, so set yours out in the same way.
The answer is {"hour": 9, "minute": 19}
